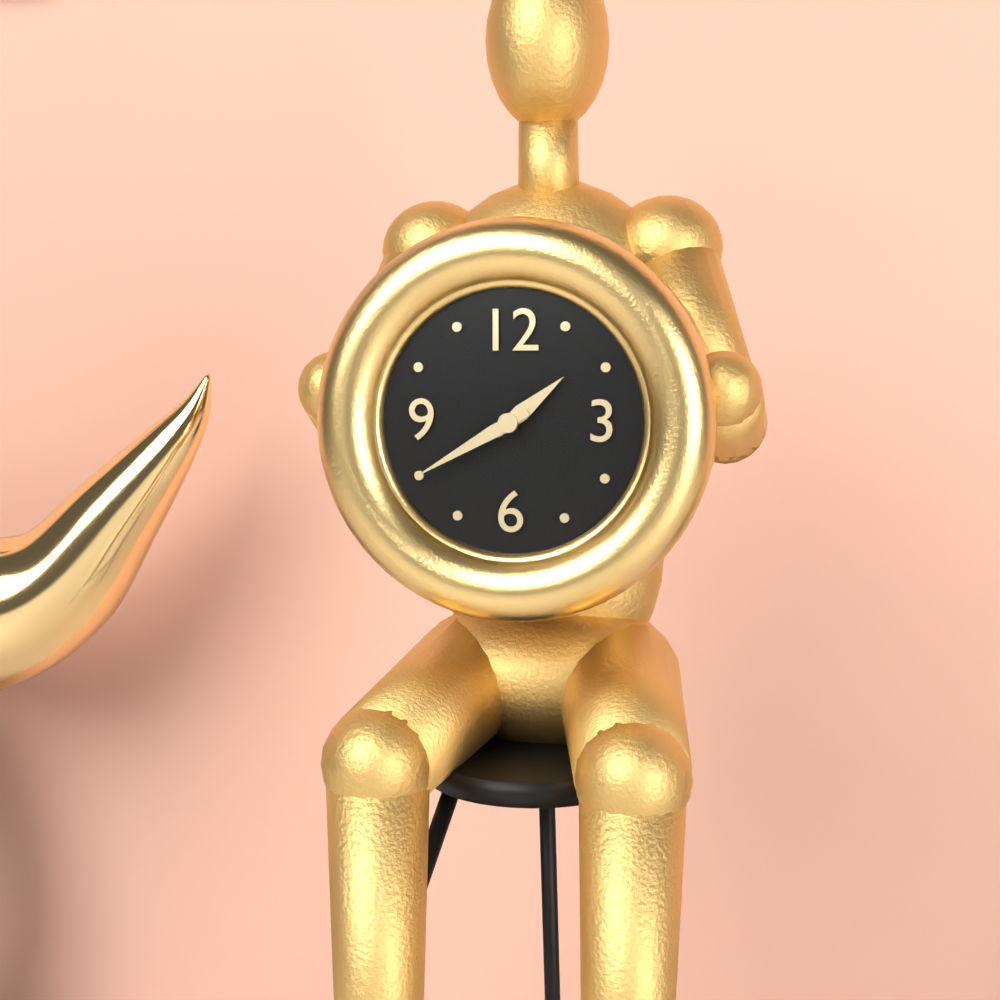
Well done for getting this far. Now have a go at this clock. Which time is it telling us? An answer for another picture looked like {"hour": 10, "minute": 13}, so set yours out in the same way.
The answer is {"hour": 1, "minute": 40}
